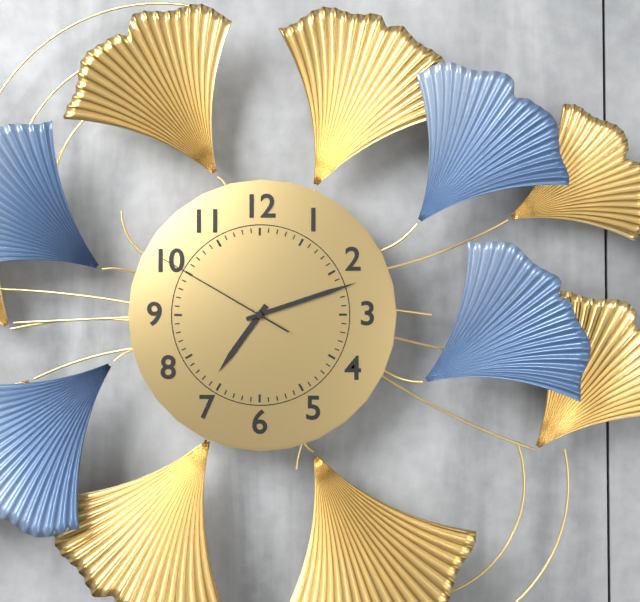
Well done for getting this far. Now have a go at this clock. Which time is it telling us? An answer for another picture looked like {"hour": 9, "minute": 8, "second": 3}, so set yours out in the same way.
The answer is {"hour": 7, "minute": 12, "second": 50}
